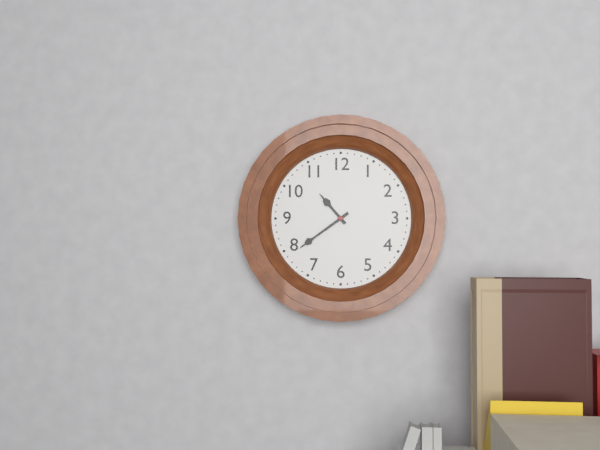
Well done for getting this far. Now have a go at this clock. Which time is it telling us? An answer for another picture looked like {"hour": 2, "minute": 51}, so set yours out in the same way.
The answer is {"hour": 10, "minute": 39}
